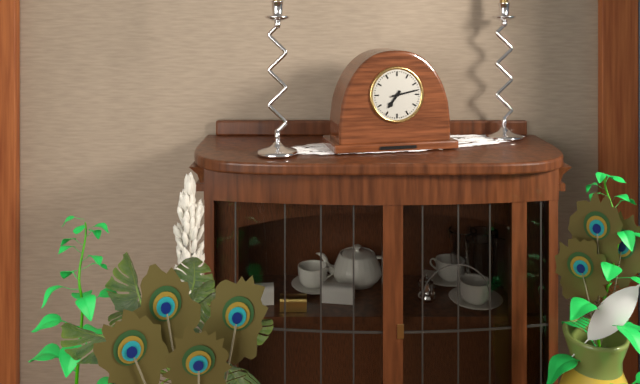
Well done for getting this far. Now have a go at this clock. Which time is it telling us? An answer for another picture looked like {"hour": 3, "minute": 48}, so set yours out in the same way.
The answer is {"hour": 7, "minute": 13}
